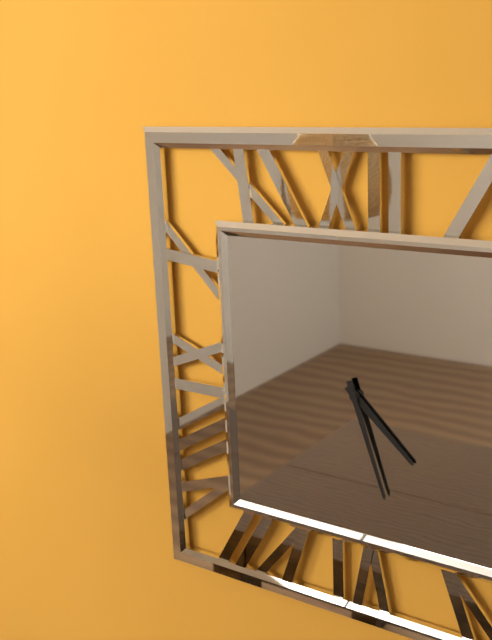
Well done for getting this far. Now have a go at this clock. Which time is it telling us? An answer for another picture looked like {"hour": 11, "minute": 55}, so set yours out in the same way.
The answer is {"hour": 4, "minute": 27}
